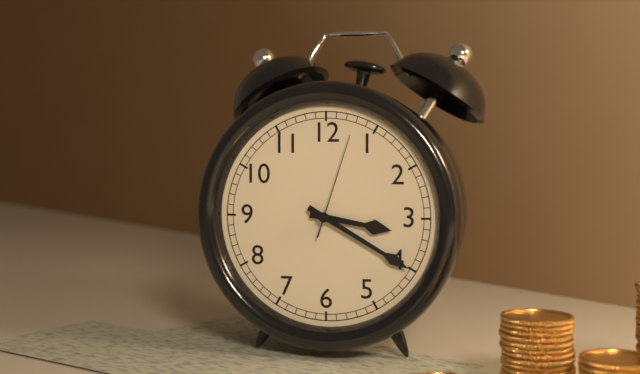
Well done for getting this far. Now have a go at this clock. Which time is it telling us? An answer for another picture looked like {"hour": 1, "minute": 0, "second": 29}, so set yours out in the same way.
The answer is {"hour": 3, "minute": 20, "second": 3}
